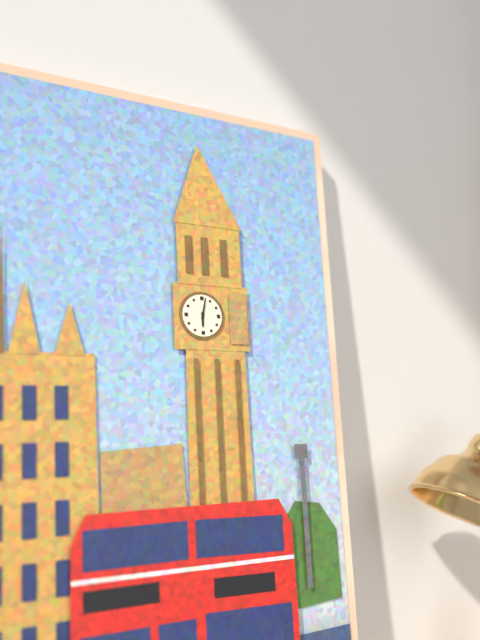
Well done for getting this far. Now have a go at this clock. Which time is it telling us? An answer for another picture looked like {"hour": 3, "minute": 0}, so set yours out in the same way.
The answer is {"hour": 6, "minute": 2}
